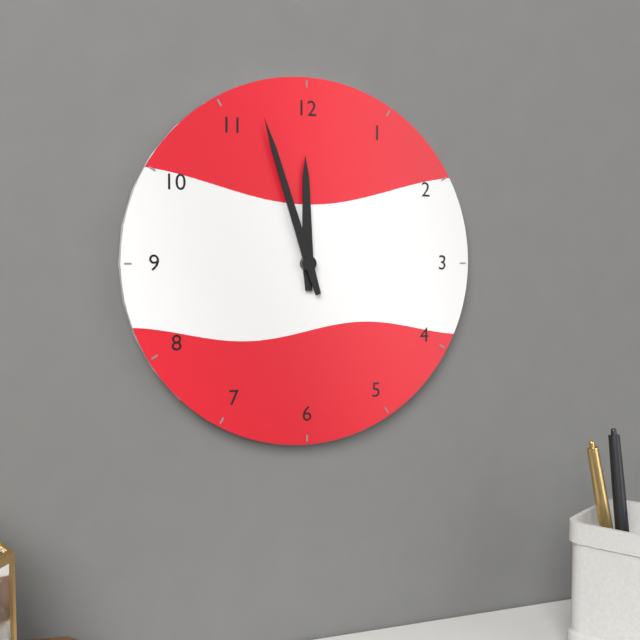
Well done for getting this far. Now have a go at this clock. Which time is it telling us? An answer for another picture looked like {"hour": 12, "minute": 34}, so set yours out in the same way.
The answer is {"hour": 11, "minute": 57}
